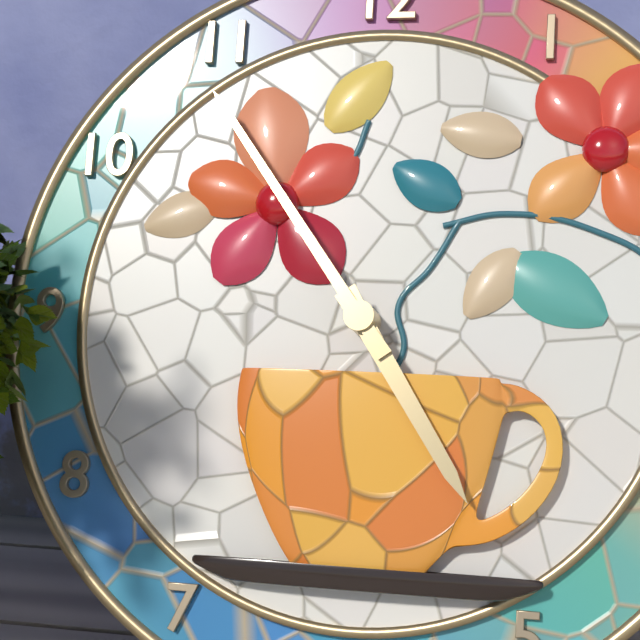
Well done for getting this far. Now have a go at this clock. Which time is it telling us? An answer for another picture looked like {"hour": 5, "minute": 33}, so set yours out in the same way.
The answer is {"hour": 4, "minute": 54}
